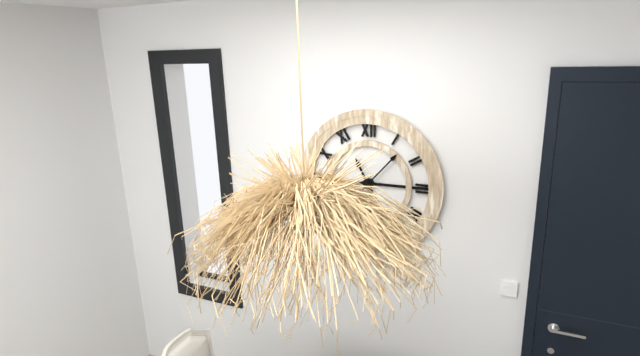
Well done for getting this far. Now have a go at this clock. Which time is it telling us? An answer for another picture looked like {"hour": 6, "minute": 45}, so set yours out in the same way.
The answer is {"hour": 11, "minute": 7}
